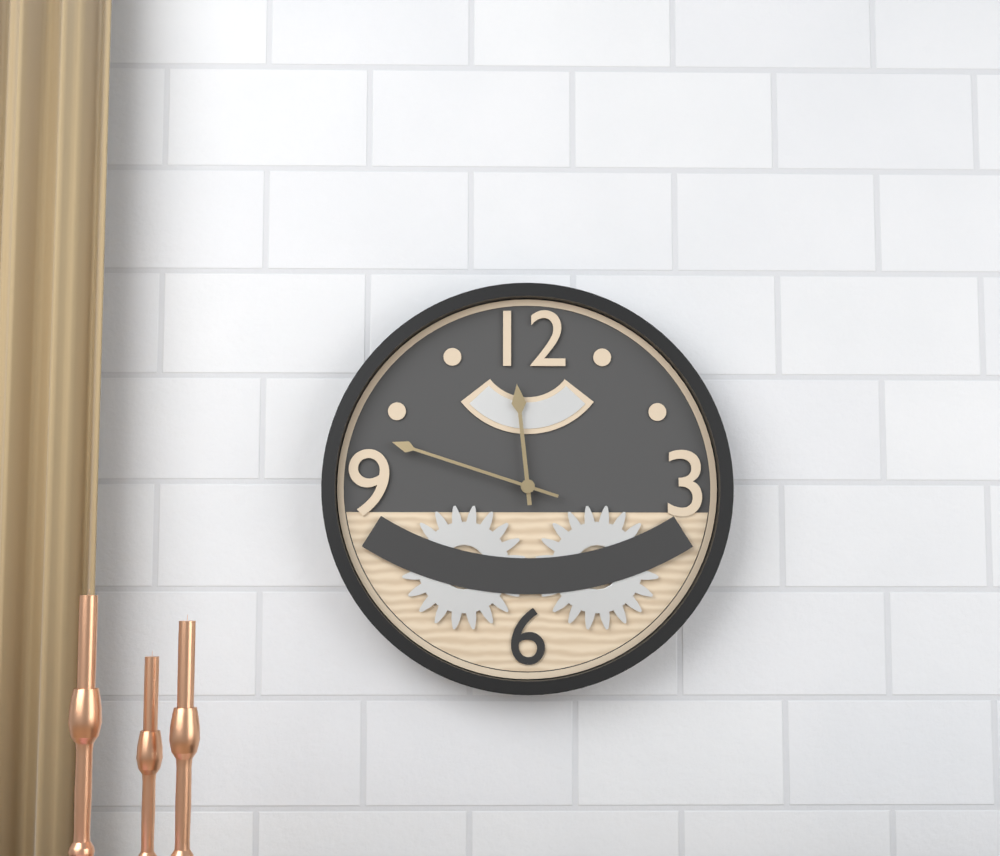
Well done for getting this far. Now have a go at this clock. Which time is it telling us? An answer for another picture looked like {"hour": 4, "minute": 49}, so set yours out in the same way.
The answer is {"hour": 11, "minute": 48}
